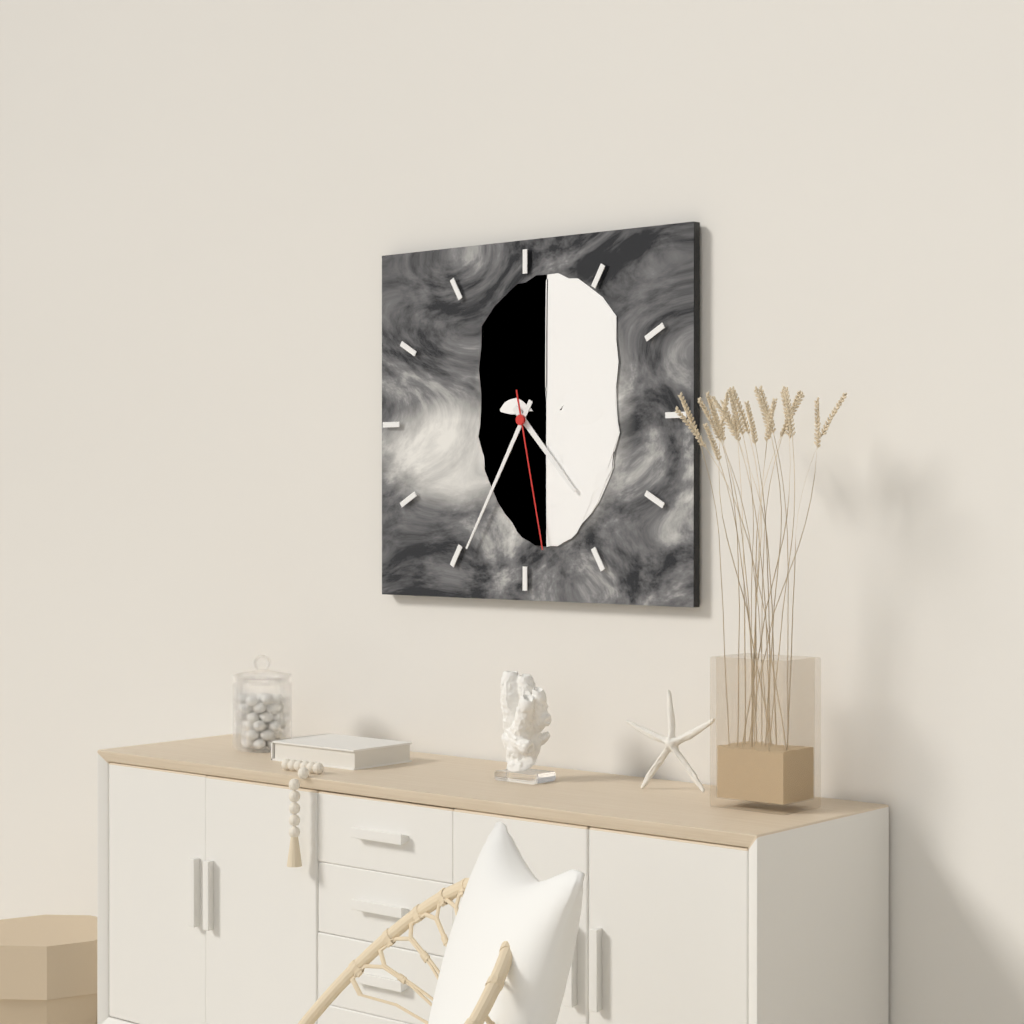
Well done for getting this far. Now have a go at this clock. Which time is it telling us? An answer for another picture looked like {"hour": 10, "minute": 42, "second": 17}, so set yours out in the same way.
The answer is {"hour": 4, "minute": 35, "second": 28}
